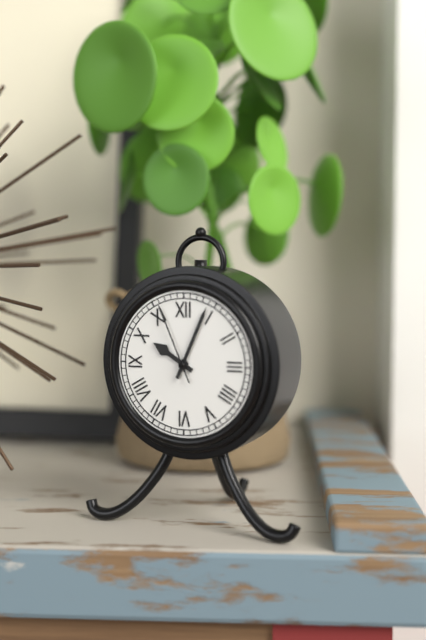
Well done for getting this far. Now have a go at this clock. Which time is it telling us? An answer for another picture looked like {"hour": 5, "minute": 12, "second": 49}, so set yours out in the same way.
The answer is {"hour": 10, "minute": 4, "second": 56}
